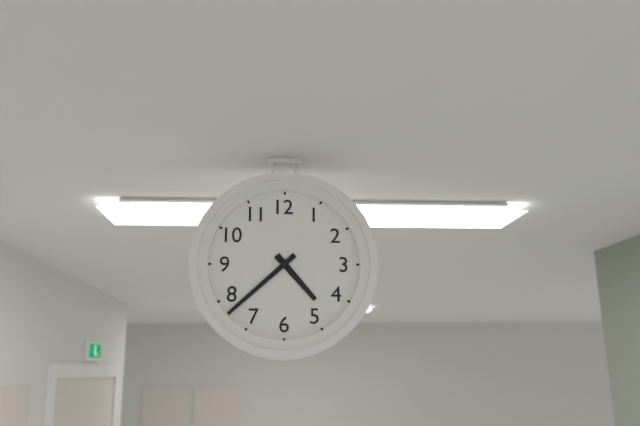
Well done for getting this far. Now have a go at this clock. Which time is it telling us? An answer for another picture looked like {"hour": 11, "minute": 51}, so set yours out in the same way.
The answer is {"hour": 4, "minute": 38}
